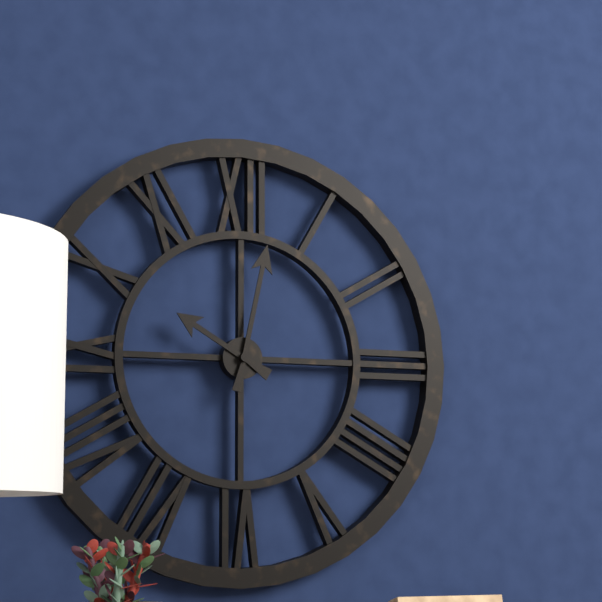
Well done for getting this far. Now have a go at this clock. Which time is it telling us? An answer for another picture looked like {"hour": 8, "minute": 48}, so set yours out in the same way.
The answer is {"hour": 10, "minute": 2}
